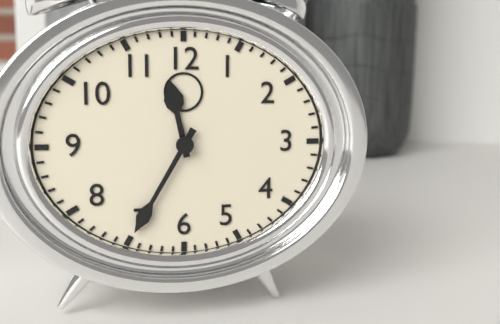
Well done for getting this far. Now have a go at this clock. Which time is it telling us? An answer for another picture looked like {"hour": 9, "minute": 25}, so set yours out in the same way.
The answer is {"hour": 11, "minute": 35}
